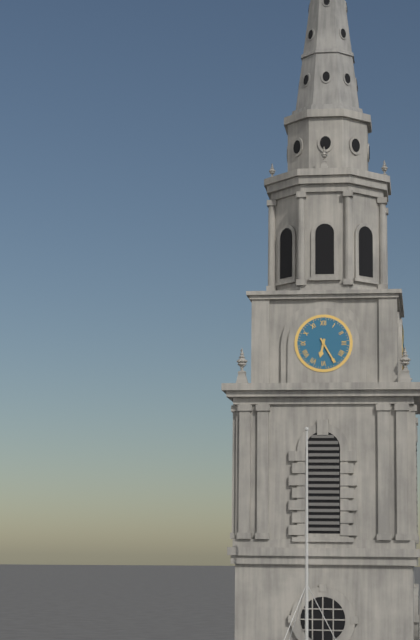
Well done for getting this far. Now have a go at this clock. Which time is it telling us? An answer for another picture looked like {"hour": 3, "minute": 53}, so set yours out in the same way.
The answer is {"hour": 6, "minute": 25}
